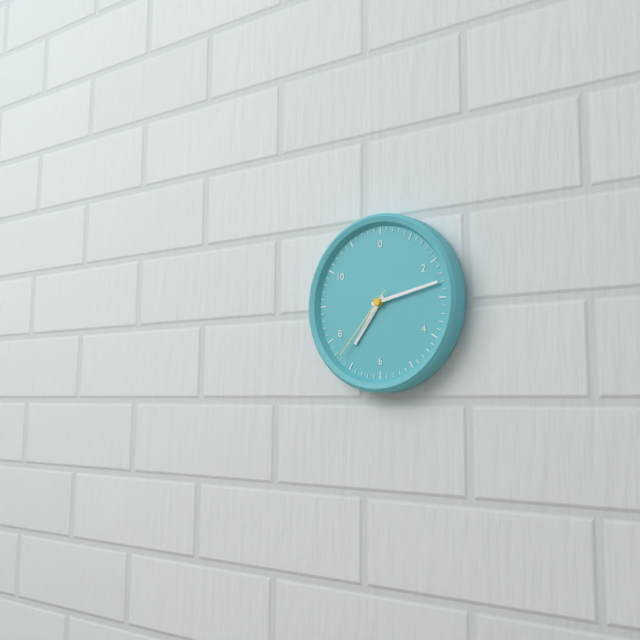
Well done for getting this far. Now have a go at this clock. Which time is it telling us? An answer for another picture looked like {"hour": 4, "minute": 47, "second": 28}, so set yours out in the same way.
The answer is {"hour": 7, "minute": 13, "second": 37}
